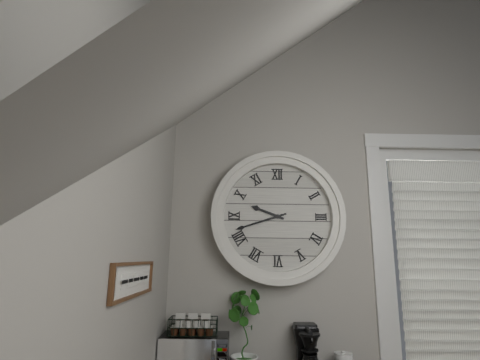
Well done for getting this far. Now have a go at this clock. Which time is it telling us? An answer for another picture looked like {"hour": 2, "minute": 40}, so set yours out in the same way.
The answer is {"hour": 9, "minute": 42}
